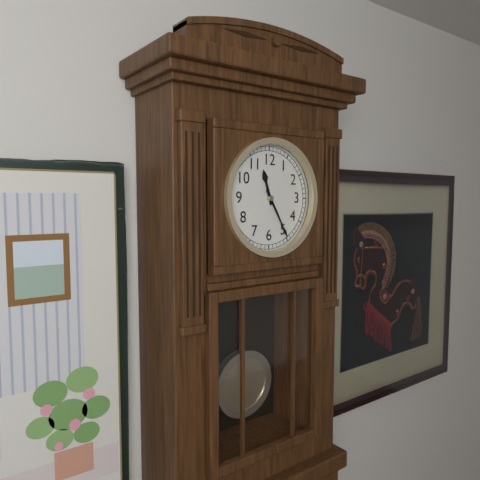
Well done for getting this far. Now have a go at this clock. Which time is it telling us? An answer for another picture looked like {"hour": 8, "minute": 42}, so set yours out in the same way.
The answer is {"hour": 11, "minute": 25}
